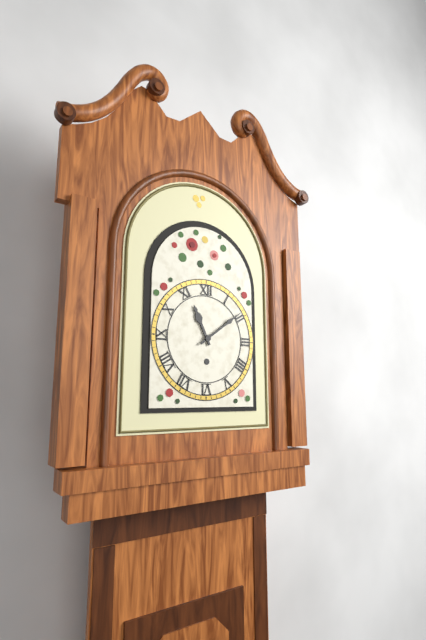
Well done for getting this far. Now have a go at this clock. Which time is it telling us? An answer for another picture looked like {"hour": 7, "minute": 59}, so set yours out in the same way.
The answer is {"hour": 11, "minute": 9}
